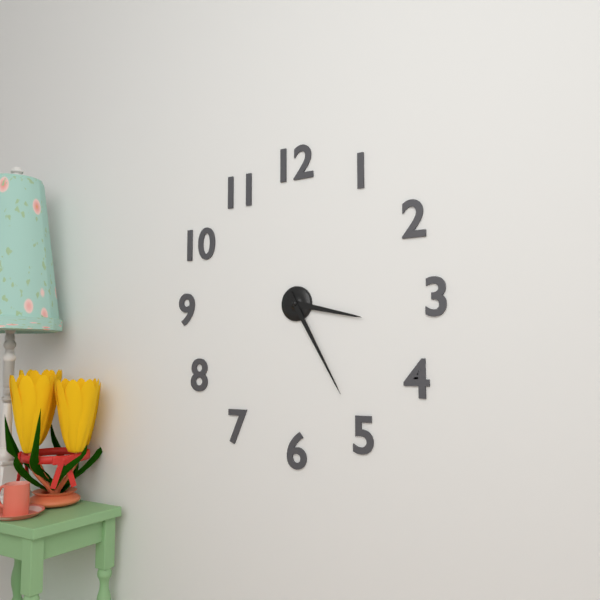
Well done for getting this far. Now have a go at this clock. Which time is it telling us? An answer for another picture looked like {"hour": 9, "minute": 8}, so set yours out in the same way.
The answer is {"hour": 3, "minute": 25}
